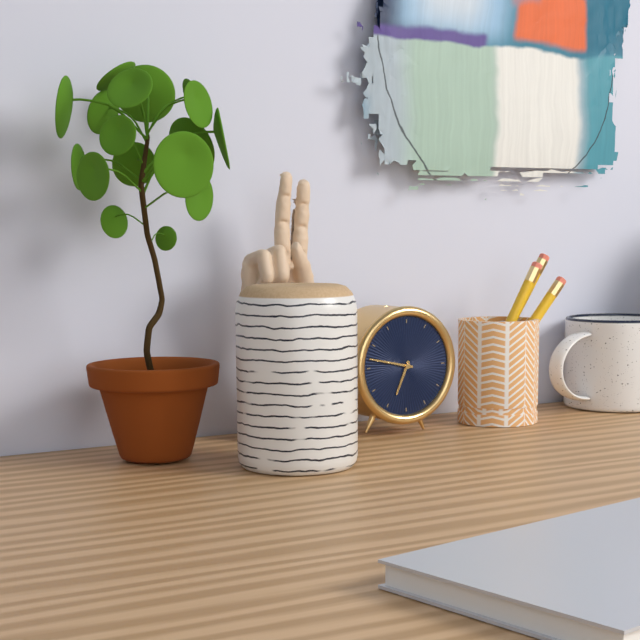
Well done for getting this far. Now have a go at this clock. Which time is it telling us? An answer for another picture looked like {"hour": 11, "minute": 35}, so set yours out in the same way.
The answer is {"hour": 6, "minute": 47}
